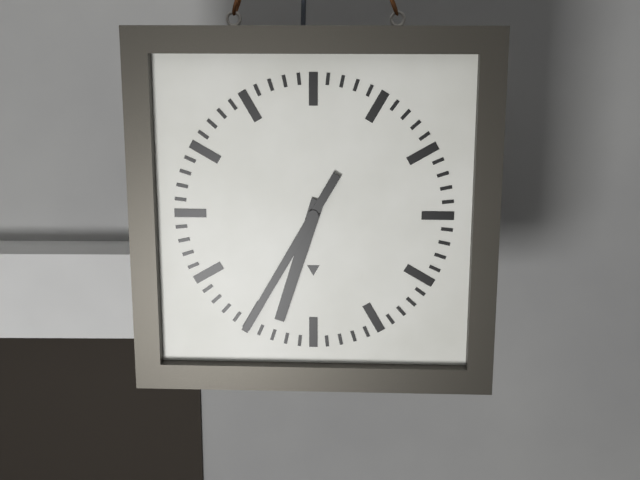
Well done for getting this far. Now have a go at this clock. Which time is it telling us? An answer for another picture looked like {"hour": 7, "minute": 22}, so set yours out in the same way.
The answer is {"hour": 6, "minute": 35}
